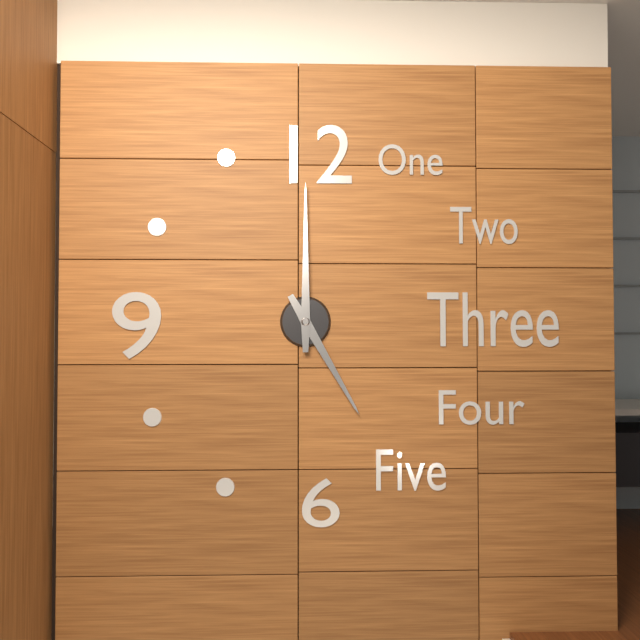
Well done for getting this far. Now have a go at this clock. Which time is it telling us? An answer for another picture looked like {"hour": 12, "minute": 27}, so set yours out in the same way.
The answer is {"hour": 5, "minute": 0}
